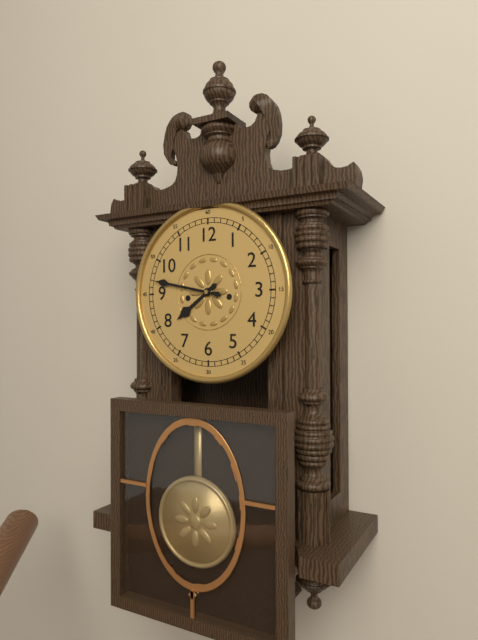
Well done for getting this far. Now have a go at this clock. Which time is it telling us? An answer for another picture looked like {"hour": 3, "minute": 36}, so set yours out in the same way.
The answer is {"hour": 7, "minute": 47}
